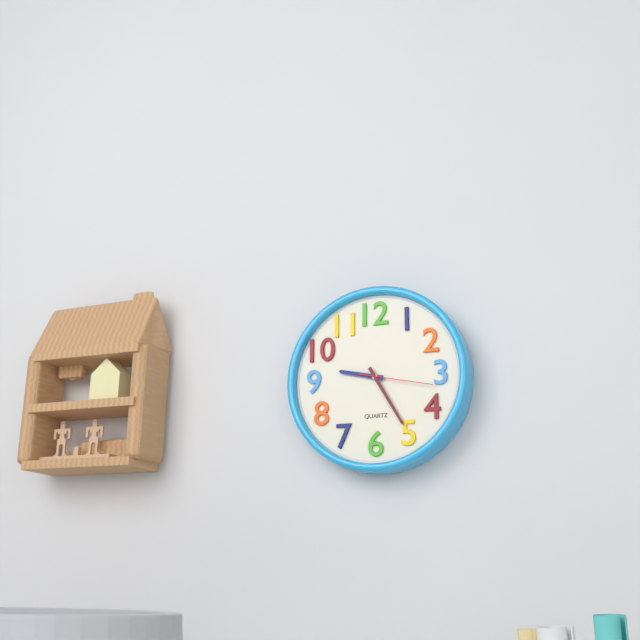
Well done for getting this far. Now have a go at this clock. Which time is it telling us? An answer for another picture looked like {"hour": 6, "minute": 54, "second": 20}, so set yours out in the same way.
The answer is {"hour": 9, "minute": 25, "second": 17}
